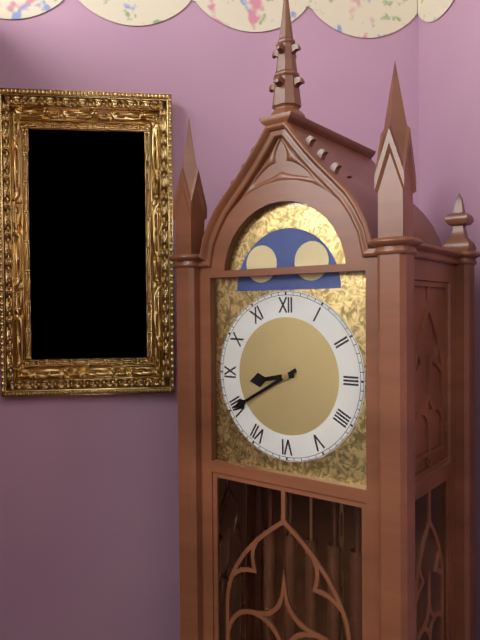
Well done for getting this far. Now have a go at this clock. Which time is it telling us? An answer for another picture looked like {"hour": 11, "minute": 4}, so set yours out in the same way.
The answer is {"hour": 8, "minute": 40}
